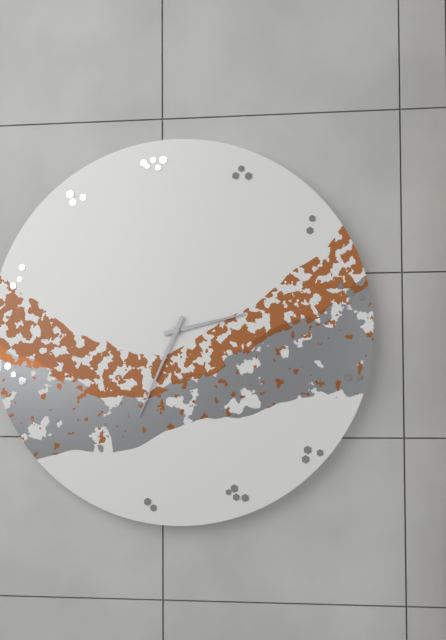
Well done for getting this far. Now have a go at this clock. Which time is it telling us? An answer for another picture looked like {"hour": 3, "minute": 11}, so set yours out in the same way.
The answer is {"hour": 2, "minute": 34}
